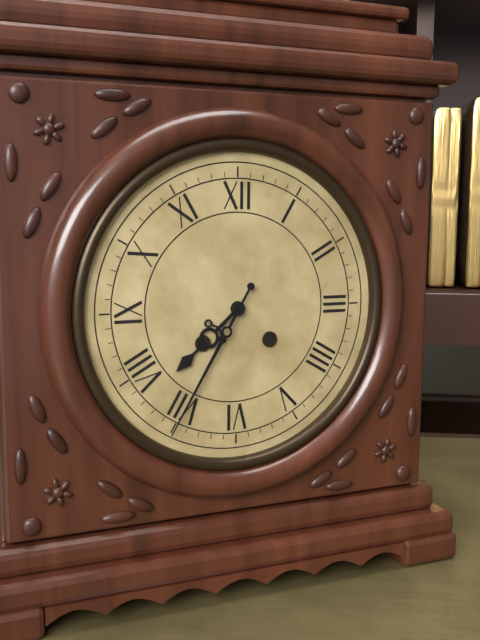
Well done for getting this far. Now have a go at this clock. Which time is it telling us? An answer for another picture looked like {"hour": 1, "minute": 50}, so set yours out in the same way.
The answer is {"hour": 7, "minute": 35}
